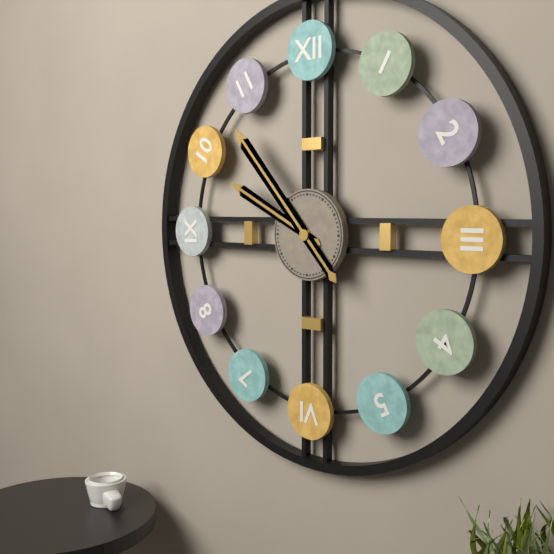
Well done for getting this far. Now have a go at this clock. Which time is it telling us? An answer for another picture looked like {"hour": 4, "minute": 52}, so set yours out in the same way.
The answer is {"hour": 9, "minute": 53}
